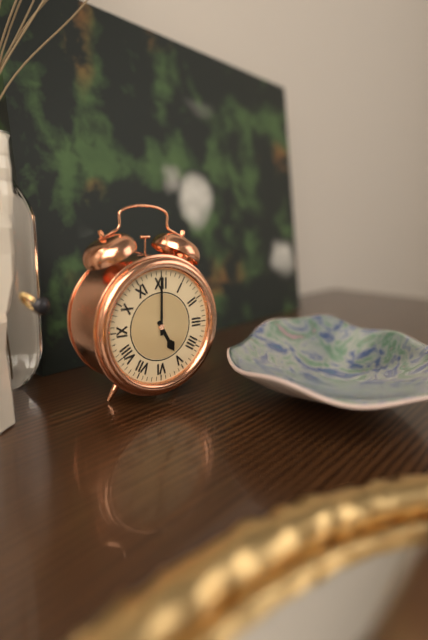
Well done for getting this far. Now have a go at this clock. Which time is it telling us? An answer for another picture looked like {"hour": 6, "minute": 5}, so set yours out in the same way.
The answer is {"hour": 5, "minute": 0}
